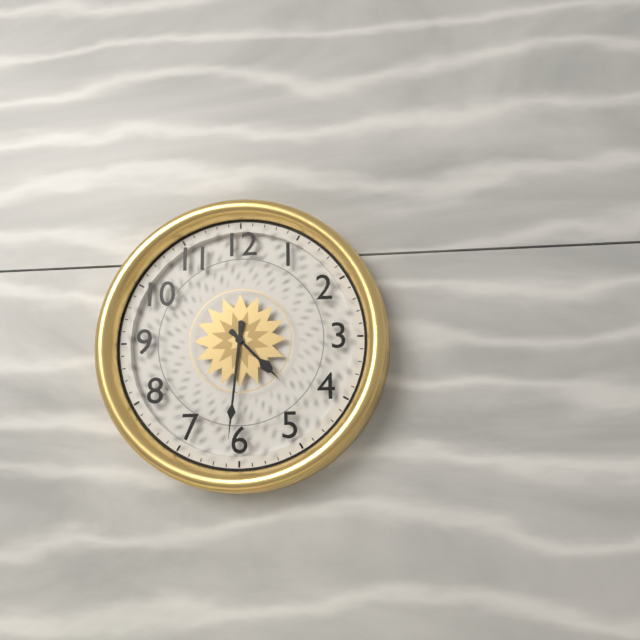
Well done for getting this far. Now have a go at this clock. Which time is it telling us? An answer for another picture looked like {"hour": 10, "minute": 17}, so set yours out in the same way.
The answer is {"hour": 4, "minute": 31}
